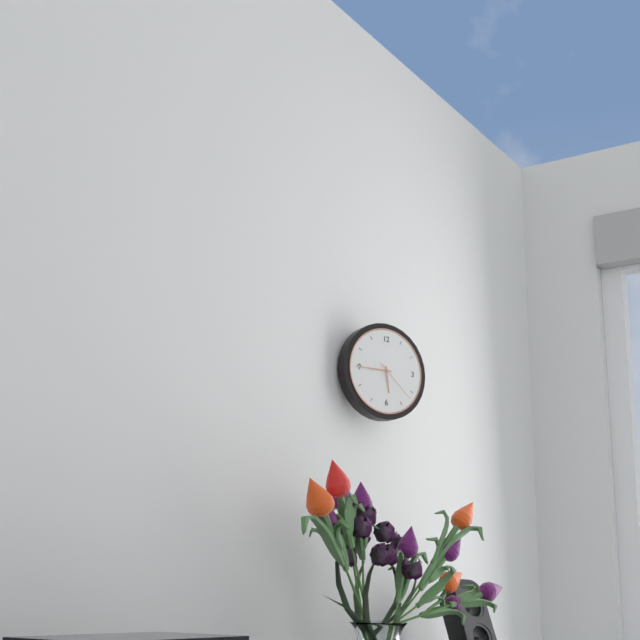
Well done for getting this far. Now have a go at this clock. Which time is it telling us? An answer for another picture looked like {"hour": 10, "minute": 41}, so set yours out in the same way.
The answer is {"hour": 5, "minute": 45}
